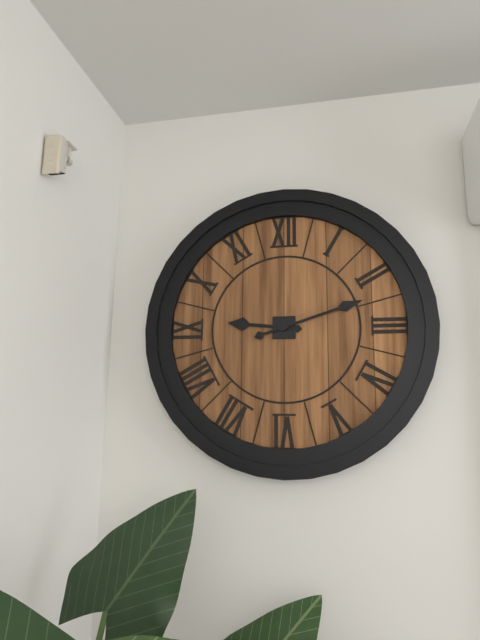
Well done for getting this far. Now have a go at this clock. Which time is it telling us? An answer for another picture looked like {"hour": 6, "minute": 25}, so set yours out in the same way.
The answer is {"hour": 9, "minute": 12}
